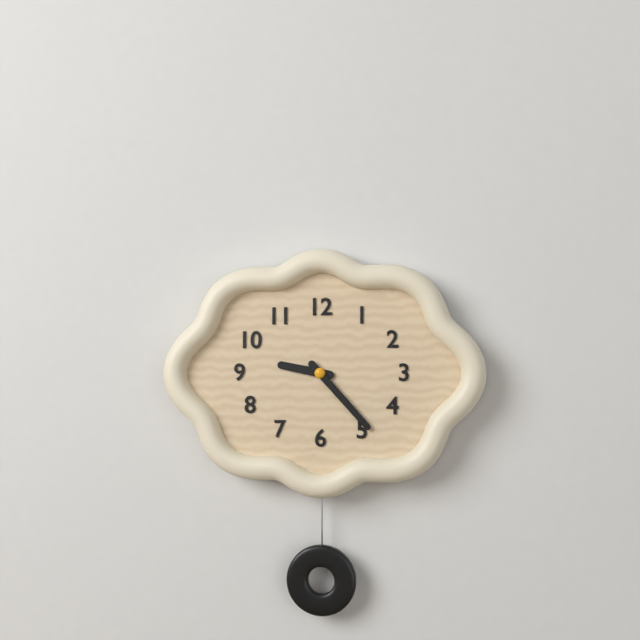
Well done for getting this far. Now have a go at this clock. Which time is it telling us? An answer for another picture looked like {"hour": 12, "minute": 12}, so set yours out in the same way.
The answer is {"hour": 9, "minute": 23}
